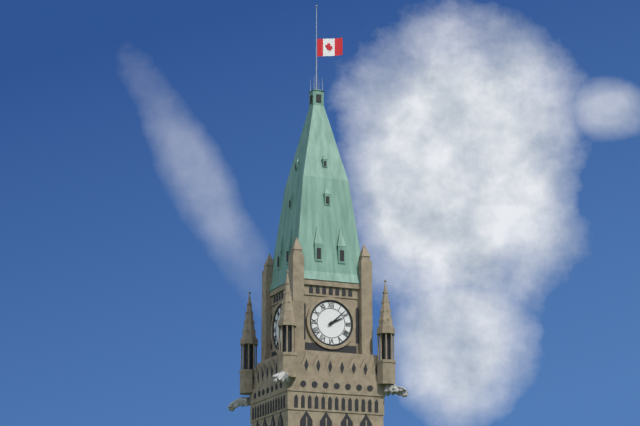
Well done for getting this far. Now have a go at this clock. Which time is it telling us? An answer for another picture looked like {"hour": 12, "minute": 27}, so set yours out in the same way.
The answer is {"hour": 2, "minute": 8}
